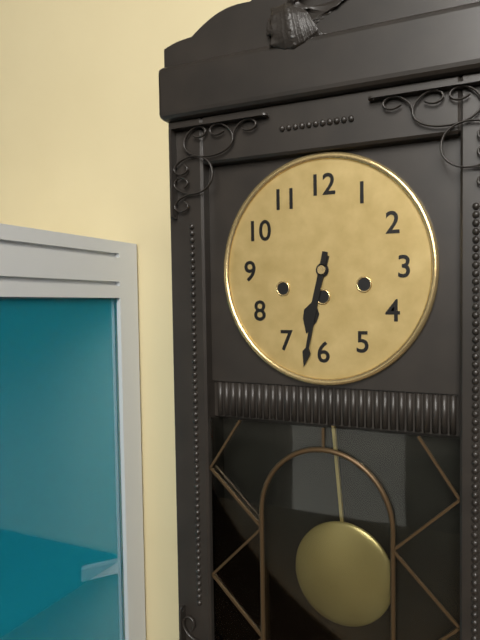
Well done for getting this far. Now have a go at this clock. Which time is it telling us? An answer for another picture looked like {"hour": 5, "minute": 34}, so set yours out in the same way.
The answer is {"hour": 6, "minute": 32}
